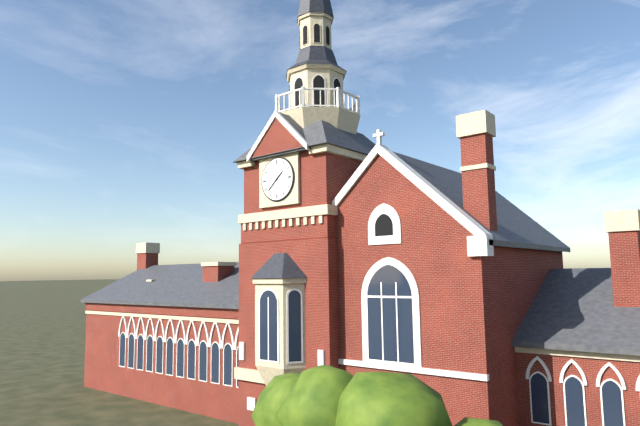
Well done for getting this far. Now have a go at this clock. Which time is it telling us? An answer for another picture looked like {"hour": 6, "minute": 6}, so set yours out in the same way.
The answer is {"hour": 1, "minute": 38}
